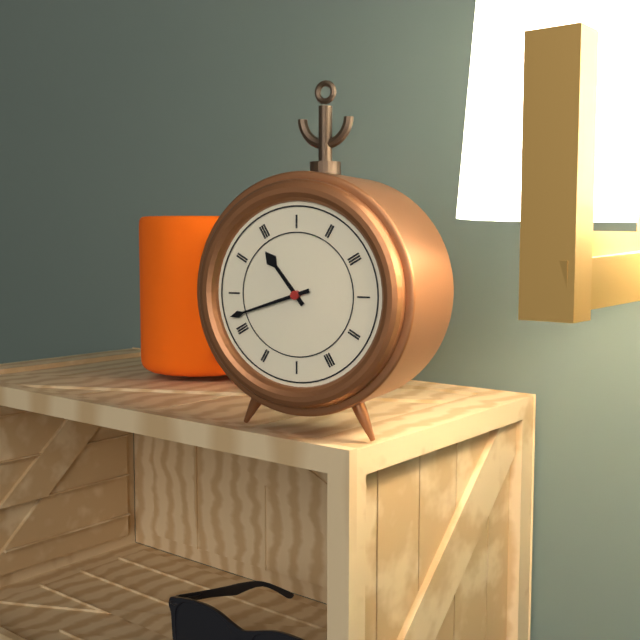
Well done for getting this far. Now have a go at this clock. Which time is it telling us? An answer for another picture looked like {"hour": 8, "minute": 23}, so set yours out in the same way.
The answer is {"hour": 10, "minute": 42}
